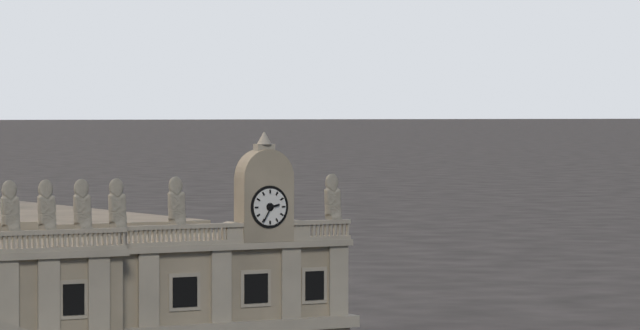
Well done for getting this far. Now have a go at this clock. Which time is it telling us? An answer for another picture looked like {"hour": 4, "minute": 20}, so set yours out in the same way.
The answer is {"hour": 2, "minute": 35}
